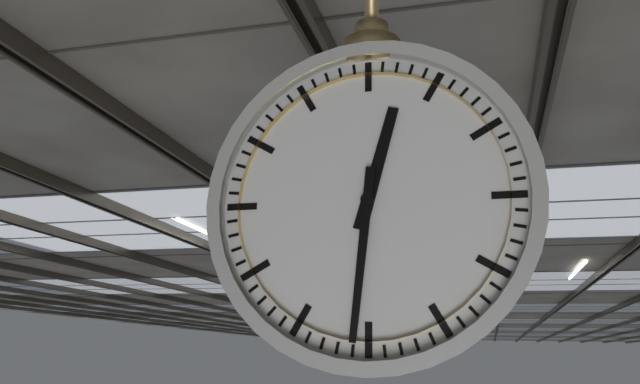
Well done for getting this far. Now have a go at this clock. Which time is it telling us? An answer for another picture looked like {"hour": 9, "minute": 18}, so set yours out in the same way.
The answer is {"hour": 12, "minute": 31}
